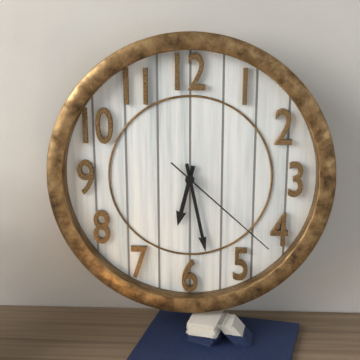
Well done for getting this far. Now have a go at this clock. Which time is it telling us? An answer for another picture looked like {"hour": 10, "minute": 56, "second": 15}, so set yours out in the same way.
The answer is {"hour": 6, "minute": 28, "second": 22}
